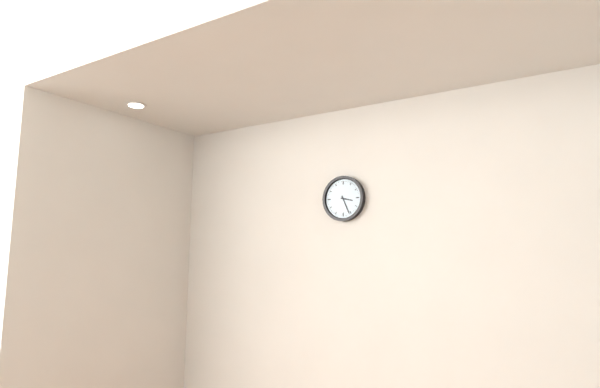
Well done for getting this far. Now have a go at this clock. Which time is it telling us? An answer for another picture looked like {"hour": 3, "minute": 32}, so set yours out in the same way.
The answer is {"hour": 3, "minute": 26}
